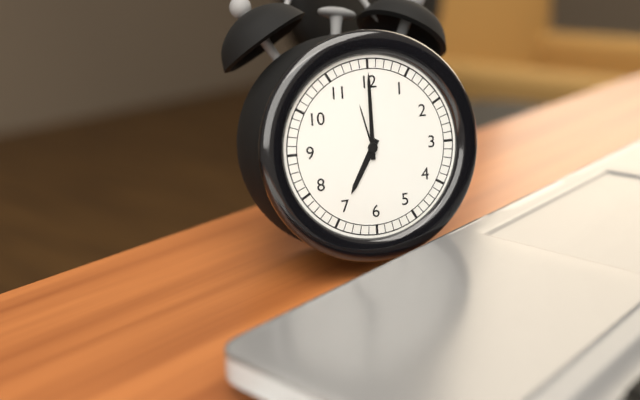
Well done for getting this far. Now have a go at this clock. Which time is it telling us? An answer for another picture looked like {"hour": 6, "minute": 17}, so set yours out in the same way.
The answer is {"hour": 7, "minute": 0}
